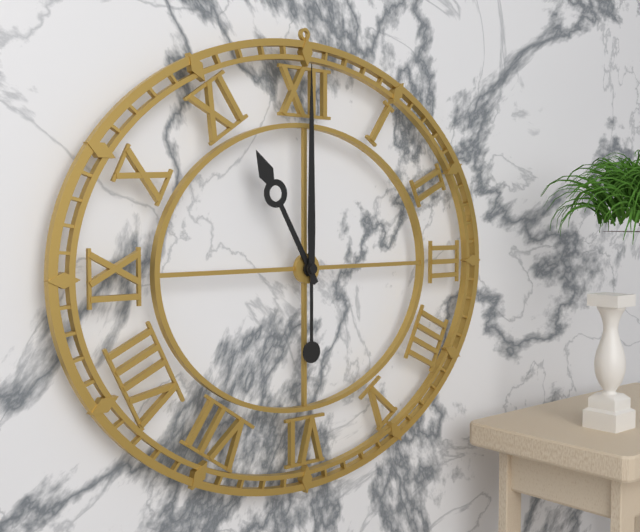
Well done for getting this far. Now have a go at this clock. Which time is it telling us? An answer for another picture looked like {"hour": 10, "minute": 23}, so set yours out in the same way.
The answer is {"hour": 11, "minute": 0}
